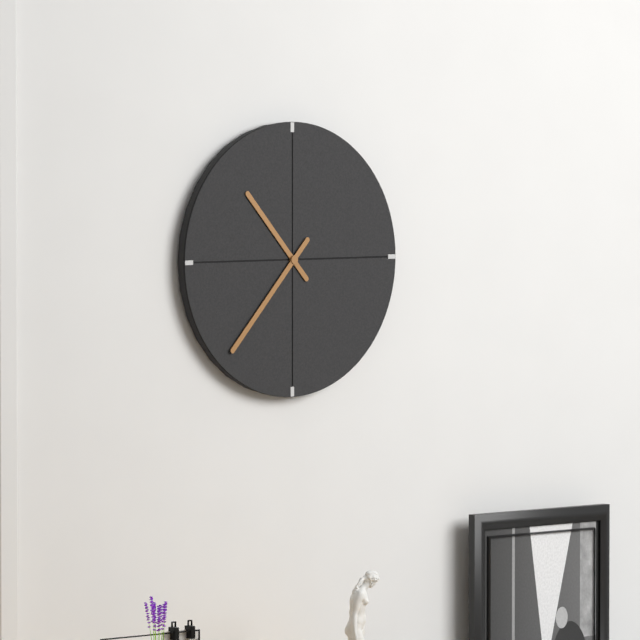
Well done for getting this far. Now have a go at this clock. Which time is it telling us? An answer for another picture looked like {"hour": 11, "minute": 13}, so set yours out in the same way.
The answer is {"hour": 10, "minute": 37}
